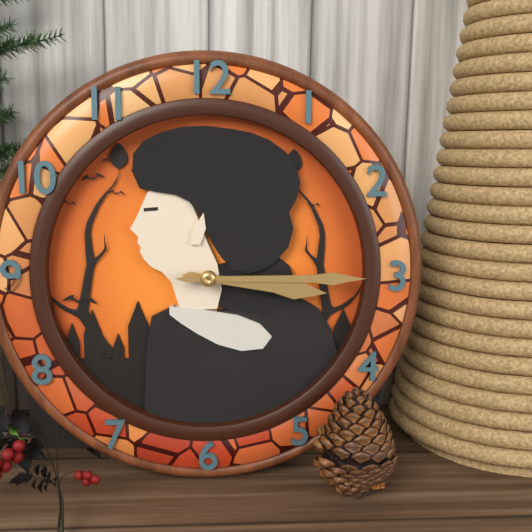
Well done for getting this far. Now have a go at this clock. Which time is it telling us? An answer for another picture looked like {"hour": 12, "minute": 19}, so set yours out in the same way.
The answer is {"hour": 3, "minute": 15}
